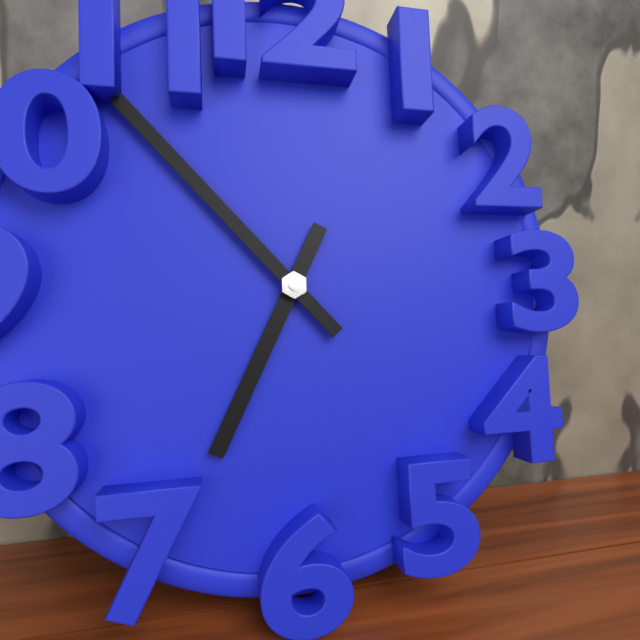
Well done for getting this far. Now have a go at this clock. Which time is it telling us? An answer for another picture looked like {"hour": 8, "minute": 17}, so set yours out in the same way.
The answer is {"hour": 6, "minute": 53}
